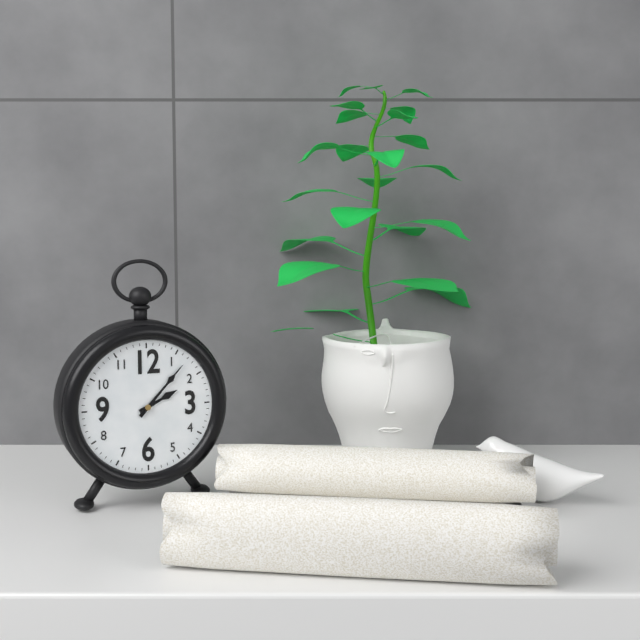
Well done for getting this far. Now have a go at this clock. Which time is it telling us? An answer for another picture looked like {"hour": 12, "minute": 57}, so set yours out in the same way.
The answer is {"hour": 2, "minute": 7}
